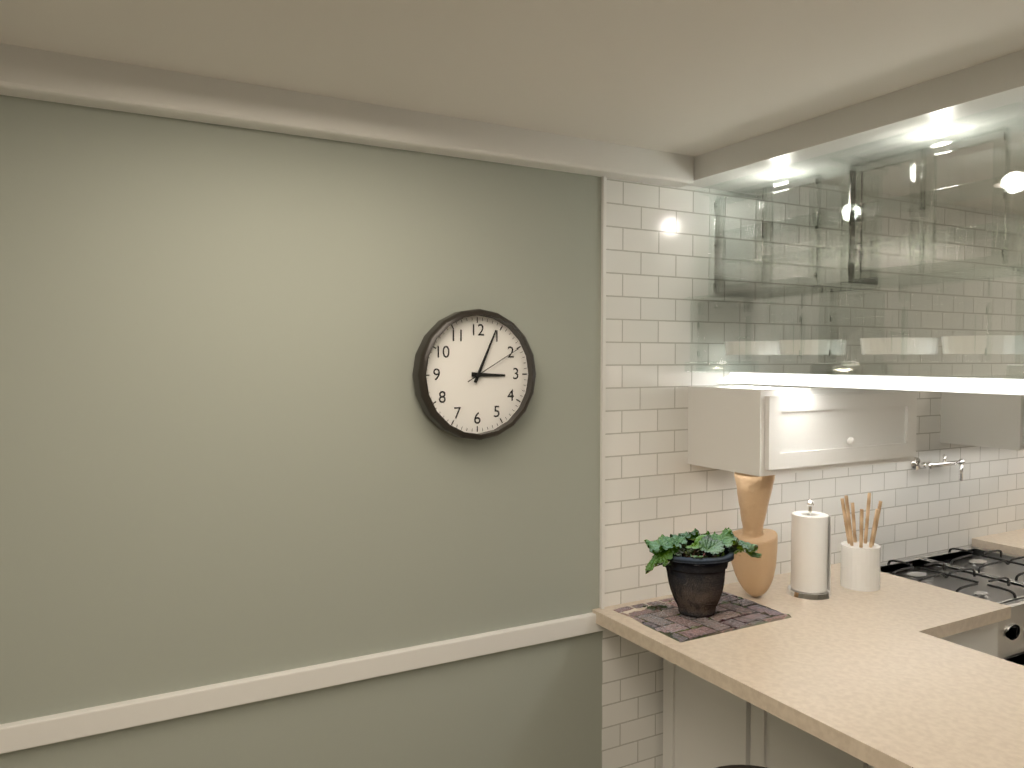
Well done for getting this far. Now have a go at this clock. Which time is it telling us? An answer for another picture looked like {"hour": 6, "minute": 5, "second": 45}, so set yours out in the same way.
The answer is {"hour": 3, "minute": 4, "second": 10}
